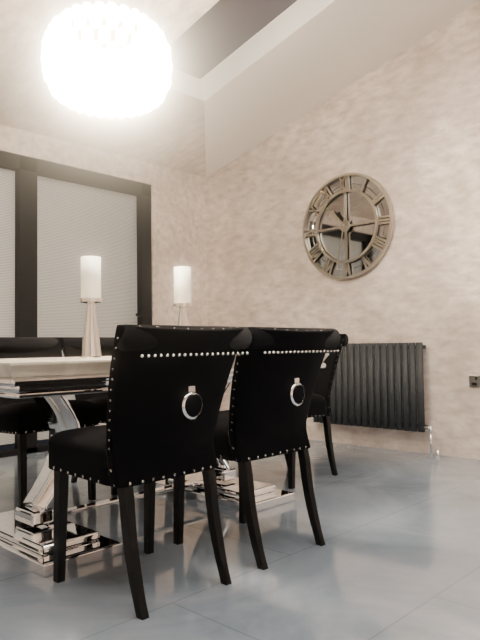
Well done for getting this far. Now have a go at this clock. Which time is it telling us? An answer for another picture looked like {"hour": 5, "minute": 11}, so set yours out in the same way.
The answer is {"hour": 10, "minute": 32}
